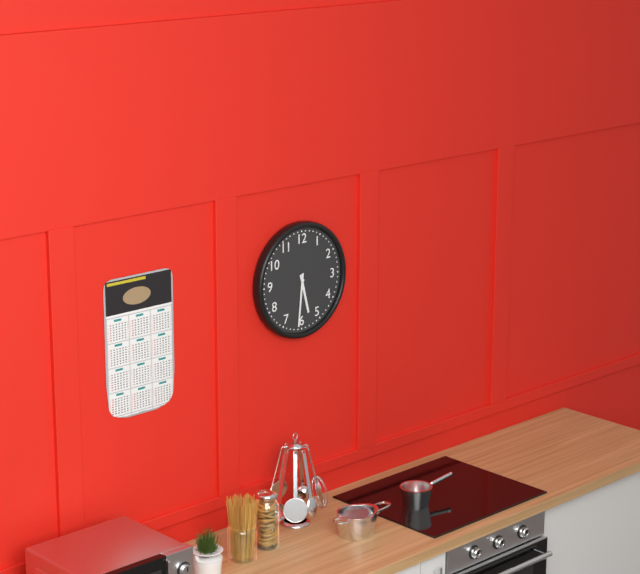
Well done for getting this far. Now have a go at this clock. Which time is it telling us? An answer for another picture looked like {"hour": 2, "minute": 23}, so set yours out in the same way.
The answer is {"hour": 5, "minute": 31}
